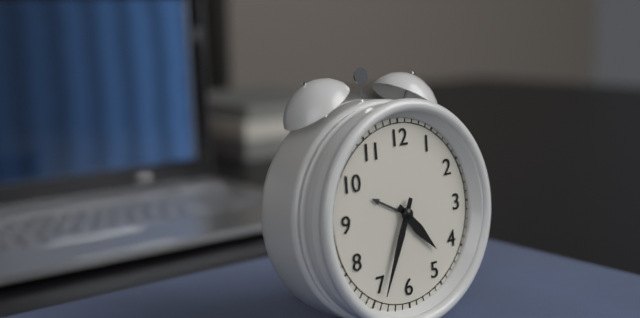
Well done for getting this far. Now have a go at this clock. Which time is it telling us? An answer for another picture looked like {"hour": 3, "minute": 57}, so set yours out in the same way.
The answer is {"hour": 4, "minute": 34}
